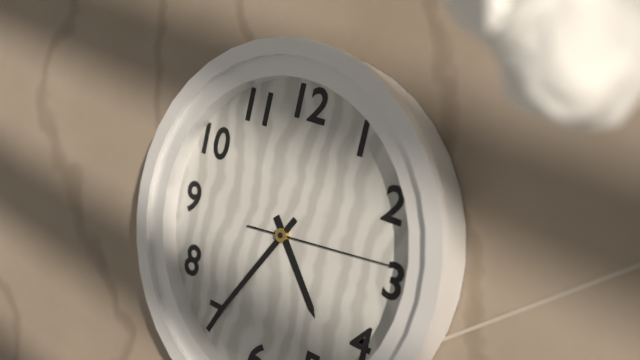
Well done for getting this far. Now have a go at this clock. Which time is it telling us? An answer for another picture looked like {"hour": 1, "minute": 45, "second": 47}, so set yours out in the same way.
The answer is {"hour": 4, "minute": 35, "second": 14}
